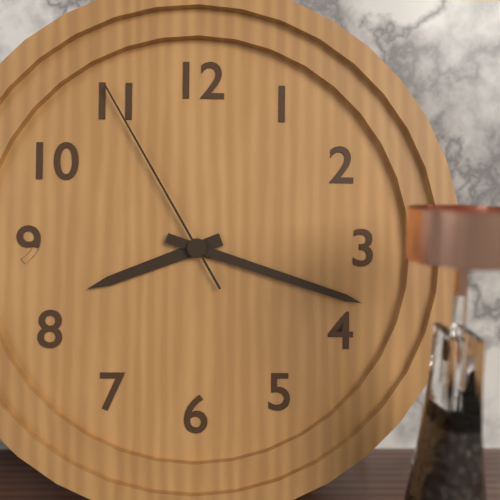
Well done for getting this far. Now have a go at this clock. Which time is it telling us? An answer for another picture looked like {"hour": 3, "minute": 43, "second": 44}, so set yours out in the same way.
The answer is {"hour": 8, "minute": 18, "second": 55}
